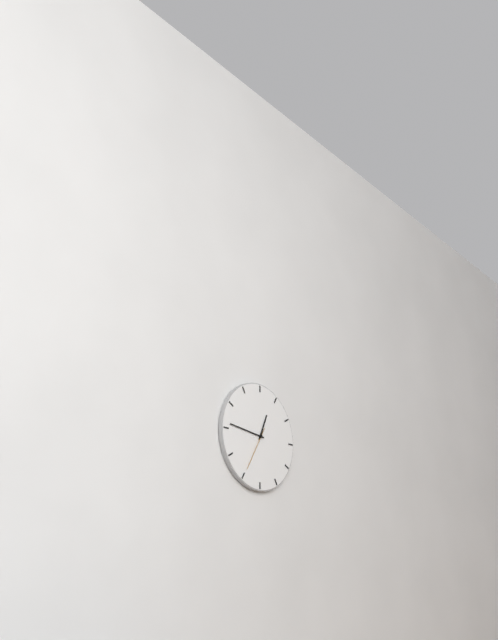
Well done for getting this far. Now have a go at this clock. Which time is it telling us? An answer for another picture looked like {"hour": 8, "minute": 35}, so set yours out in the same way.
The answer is {"hour": 12, "minute": 46}
